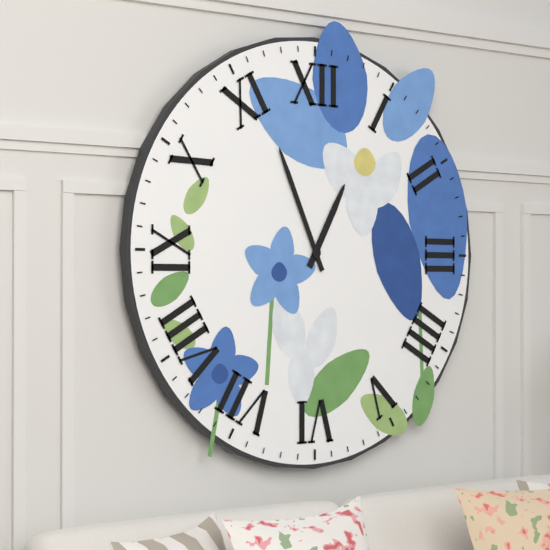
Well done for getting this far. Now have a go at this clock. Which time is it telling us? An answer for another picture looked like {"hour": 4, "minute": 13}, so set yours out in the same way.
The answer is {"hour": 12, "minute": 56}
